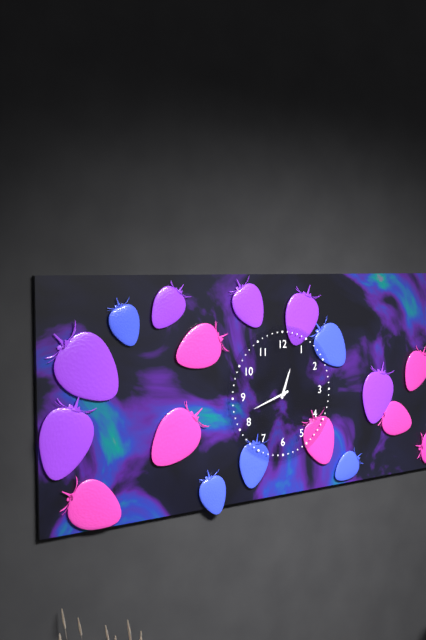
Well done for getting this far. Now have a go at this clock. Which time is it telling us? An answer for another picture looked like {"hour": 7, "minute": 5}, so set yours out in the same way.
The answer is {"hour": 12, "minute": 42}
